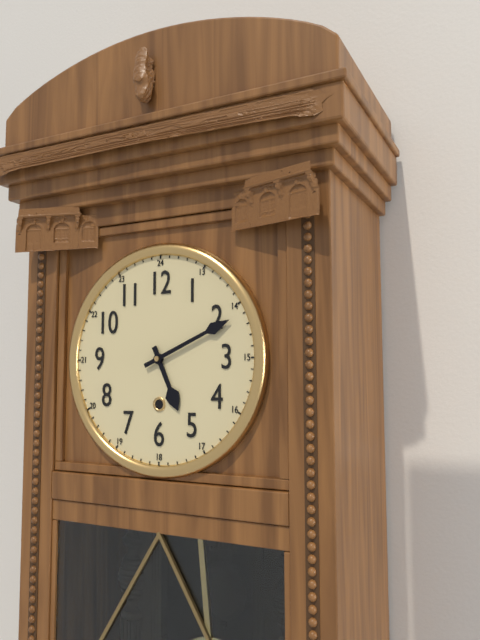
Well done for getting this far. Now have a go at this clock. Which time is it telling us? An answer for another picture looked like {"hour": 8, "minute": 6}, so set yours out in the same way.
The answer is {"hour": 5, "minute": 11}
